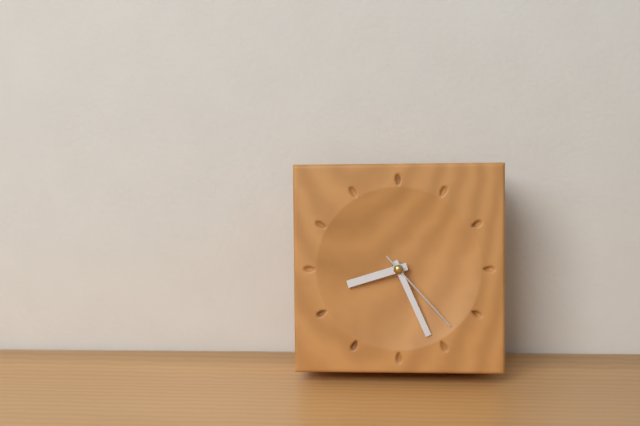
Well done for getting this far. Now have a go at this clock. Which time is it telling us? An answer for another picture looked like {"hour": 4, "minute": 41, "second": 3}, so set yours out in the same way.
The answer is {"hour": 8, "minute": 26, "second": 23}
